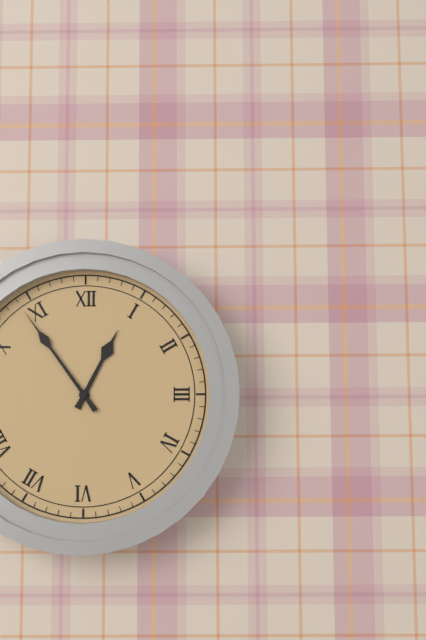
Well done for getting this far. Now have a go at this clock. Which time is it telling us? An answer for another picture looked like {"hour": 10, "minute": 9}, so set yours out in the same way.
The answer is {"hour": 12, "minute": 54}
